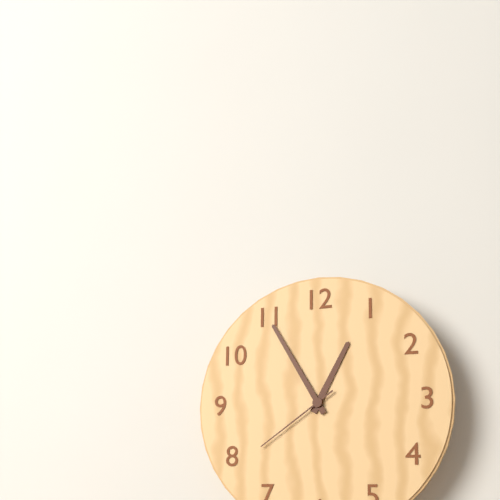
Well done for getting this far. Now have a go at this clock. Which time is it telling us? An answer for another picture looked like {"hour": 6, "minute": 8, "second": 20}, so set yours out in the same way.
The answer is {"hour": 12, "minute": 55, "second": 39}
